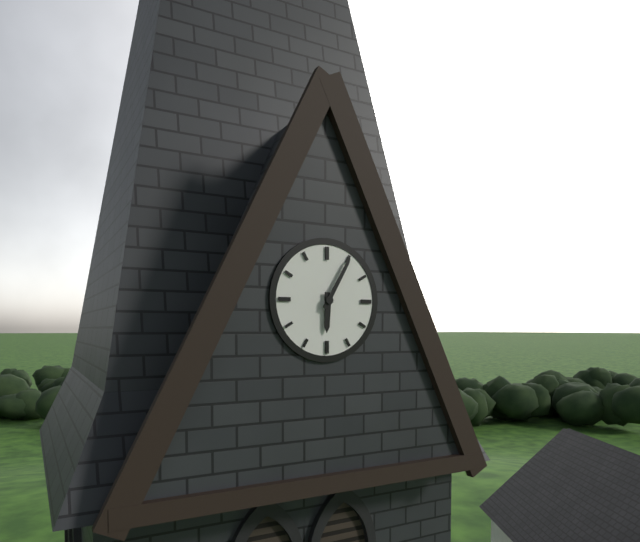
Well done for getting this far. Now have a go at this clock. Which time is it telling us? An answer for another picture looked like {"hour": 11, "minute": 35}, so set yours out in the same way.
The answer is {"hour": 6, "minute": 5}
